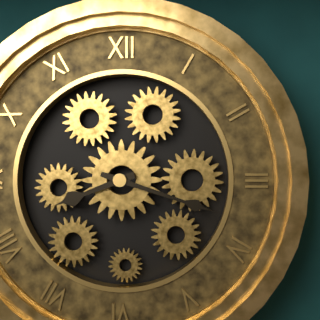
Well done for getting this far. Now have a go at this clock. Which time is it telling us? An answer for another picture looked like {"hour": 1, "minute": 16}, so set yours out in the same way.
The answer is {"hour": 8, "minute": 18}
